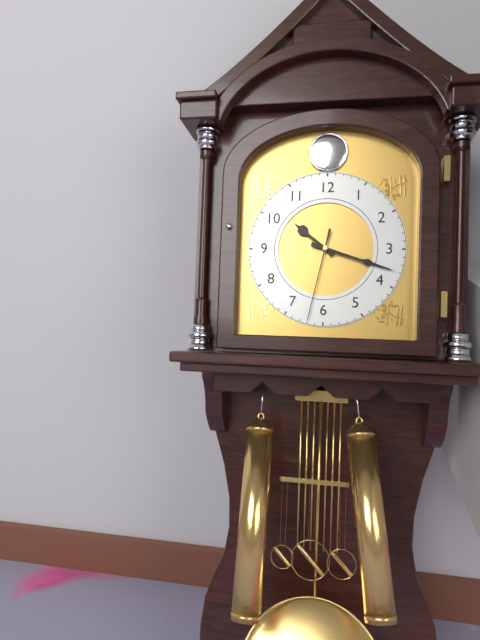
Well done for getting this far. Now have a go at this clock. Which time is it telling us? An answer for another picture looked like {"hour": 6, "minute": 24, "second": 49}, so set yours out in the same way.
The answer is {"hour": 10, "minute": 18, "second": 32}
